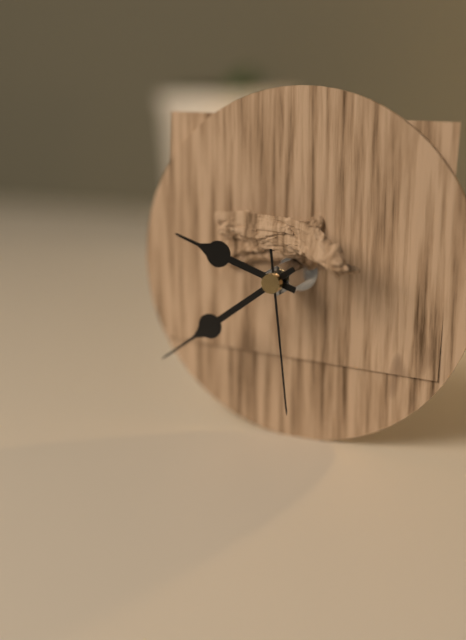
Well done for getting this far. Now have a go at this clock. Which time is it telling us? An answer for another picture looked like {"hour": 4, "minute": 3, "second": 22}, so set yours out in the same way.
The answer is {"hour": 9, "minute": 39, "second": 29}
